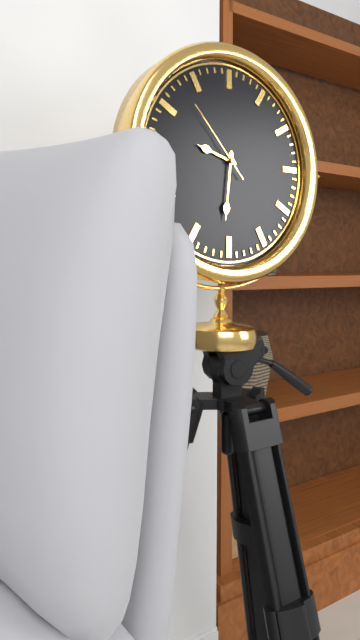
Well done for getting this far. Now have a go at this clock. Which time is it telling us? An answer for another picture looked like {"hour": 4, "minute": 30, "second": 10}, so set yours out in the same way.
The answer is {"hour": 9, "minute": 31, "second": 53}
